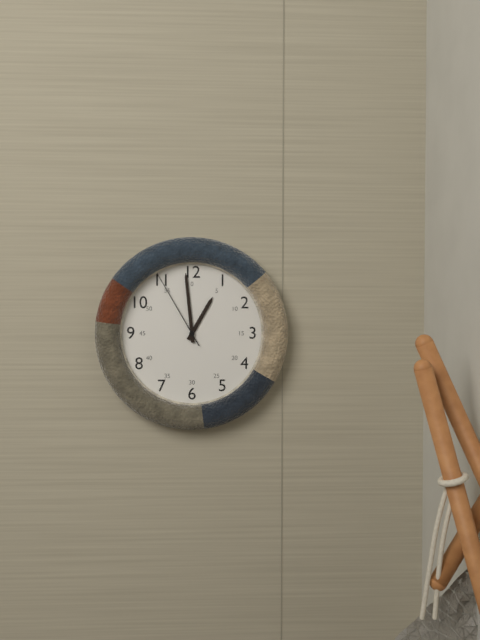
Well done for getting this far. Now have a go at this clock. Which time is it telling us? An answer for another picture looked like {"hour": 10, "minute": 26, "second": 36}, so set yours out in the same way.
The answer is {"hour": 12, "minute": 59, "second": 55}
